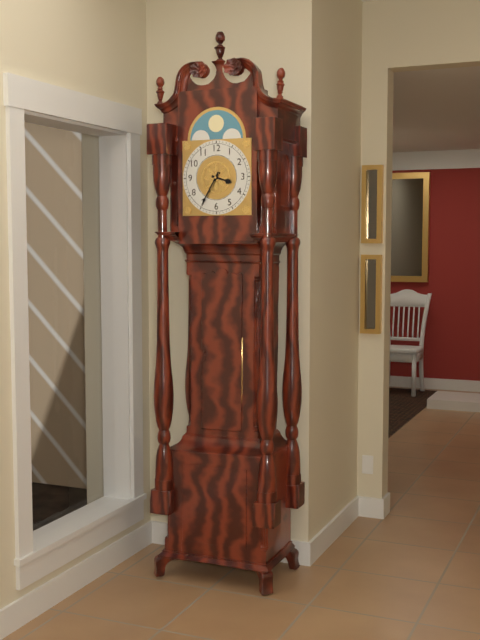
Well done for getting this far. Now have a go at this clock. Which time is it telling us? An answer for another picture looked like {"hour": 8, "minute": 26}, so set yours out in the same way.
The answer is {"hour": 3, "minute": 35}
